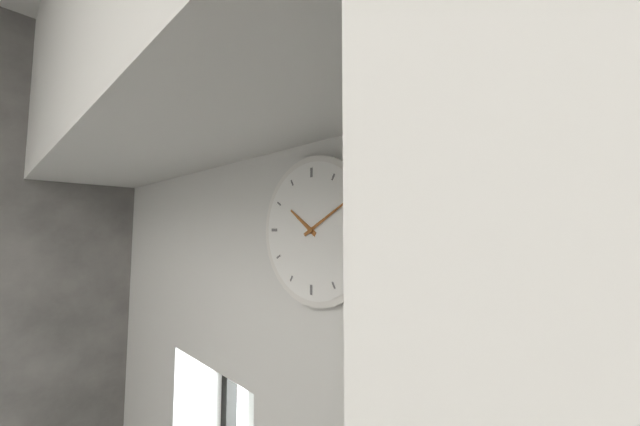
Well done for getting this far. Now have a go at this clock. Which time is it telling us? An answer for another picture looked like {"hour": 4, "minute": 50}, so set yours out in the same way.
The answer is {"hour": 10, "minute": 10}
